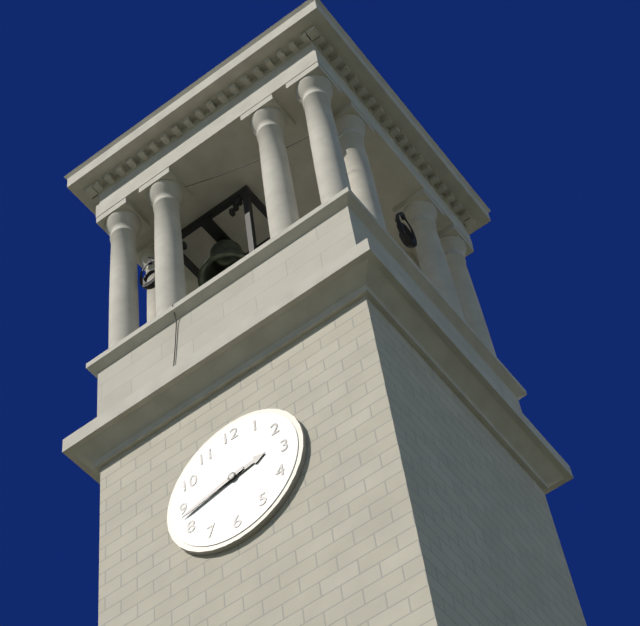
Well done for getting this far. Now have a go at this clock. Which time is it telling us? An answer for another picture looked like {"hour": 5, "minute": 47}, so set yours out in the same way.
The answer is {"hour": 2, "minute": 43}
